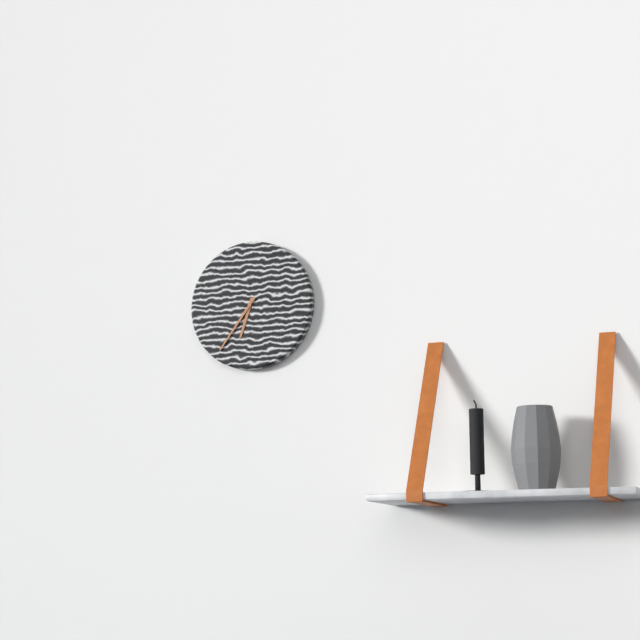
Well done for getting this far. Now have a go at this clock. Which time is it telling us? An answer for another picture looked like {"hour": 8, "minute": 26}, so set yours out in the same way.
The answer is {"hour": 6, "minute": 36}
